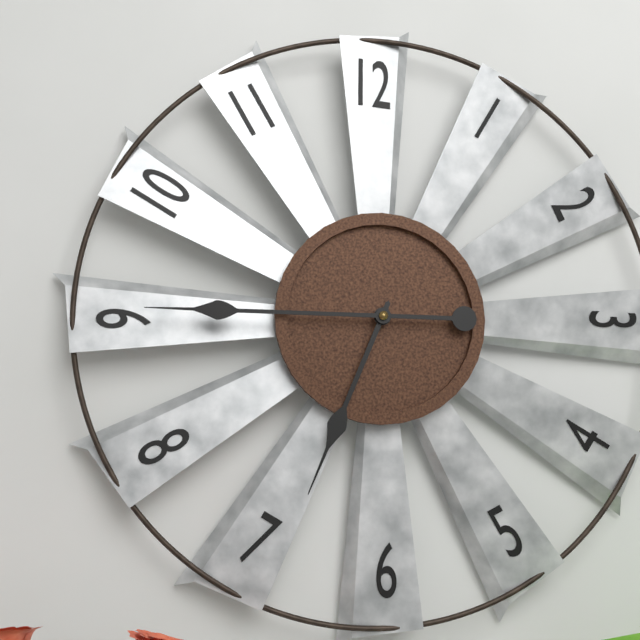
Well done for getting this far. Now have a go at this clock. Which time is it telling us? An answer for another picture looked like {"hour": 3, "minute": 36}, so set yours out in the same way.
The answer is {"hour": 6, "minute": 45}
